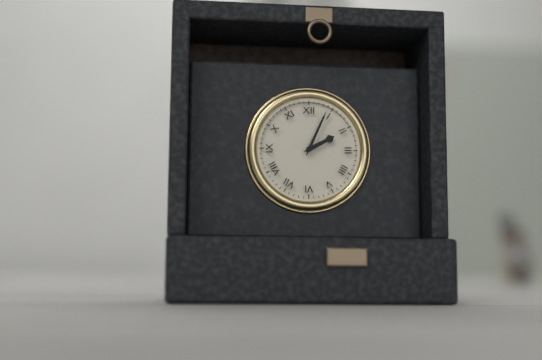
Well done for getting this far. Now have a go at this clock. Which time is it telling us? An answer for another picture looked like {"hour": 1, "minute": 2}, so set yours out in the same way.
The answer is {"hour": 2, "minute": 4}
